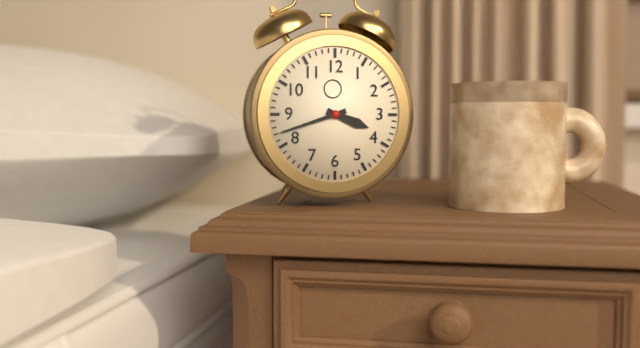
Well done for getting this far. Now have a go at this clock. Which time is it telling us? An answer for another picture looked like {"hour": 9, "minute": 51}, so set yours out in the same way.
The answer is {"hour": 3, "minute": 42}
